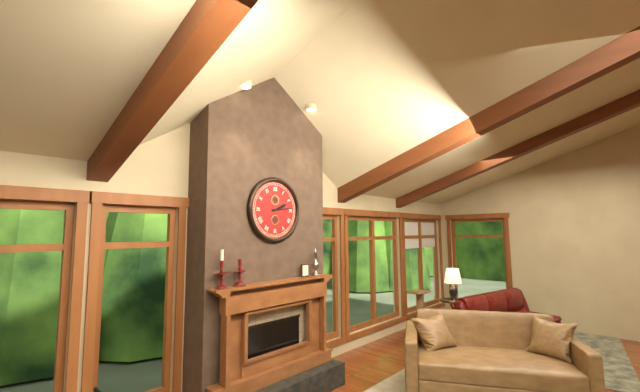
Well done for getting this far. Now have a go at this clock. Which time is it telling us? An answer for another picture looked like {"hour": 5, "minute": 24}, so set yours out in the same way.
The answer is {"hour": 2, "minute": 14}
